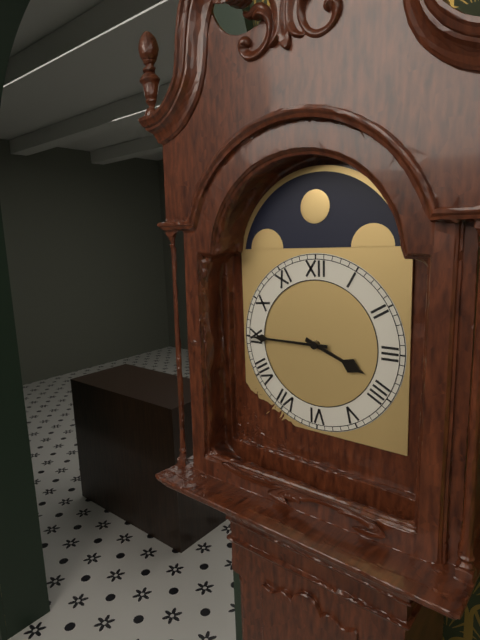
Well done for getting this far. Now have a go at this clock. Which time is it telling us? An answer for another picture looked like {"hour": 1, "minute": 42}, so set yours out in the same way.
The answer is {"hour": 3, "minute": 45}
